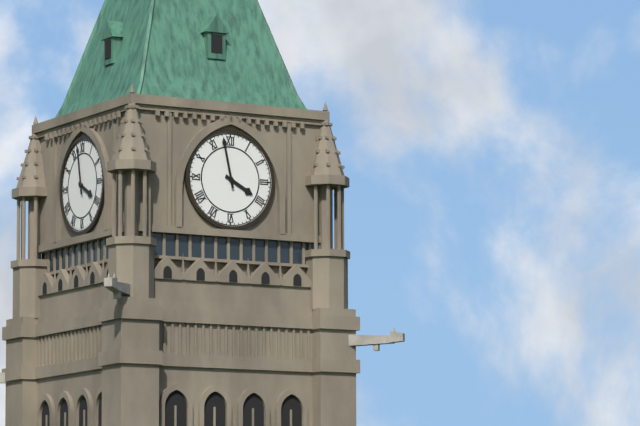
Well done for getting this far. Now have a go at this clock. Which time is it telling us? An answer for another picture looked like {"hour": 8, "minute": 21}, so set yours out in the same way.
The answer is {"hour": 3, "minute": 58}
